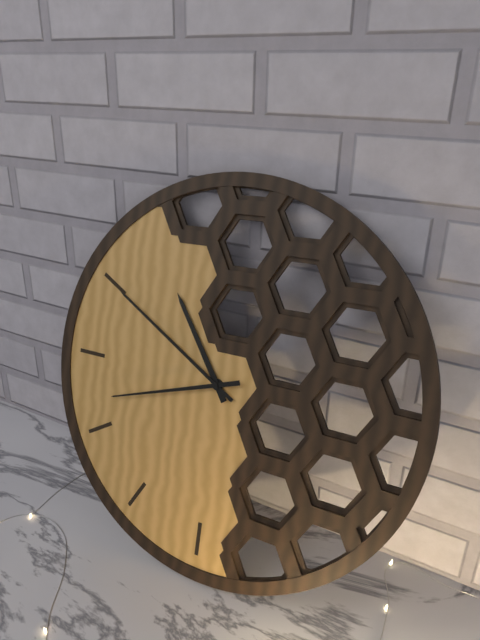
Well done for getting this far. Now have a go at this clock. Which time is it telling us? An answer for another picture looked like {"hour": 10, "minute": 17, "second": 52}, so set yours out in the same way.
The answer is {"hour": 10, "minute": 50, "second": 42}
